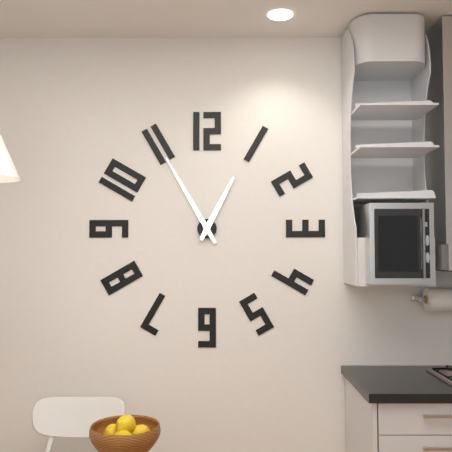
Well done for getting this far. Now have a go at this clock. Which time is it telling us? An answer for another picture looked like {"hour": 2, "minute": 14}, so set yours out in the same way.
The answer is {"hour": 12, "minute": 55}
